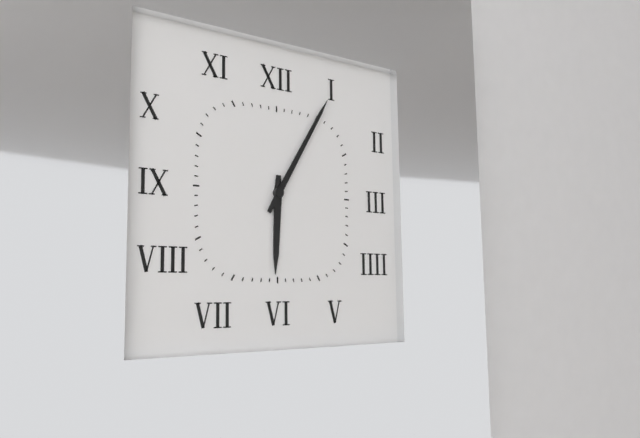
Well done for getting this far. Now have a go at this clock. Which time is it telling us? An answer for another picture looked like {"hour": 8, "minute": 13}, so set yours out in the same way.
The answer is {"hour": 6, "minute": 5}
